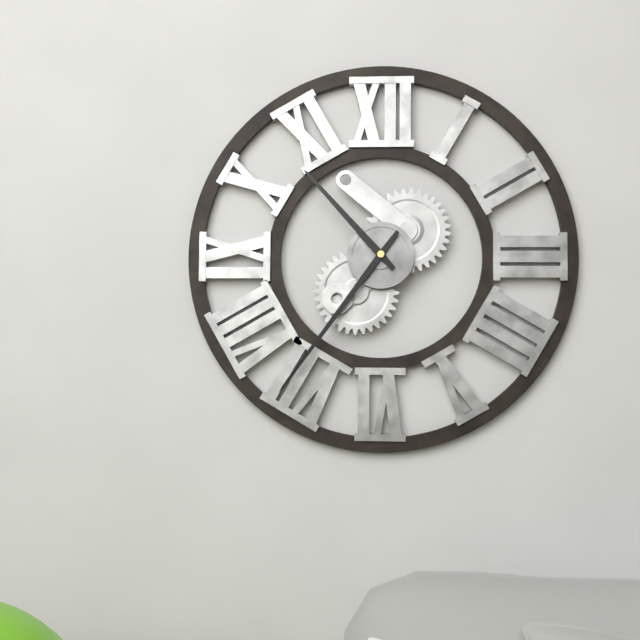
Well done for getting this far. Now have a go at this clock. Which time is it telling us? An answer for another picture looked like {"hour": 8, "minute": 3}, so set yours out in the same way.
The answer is {"hour": 10, "minute": 36}
